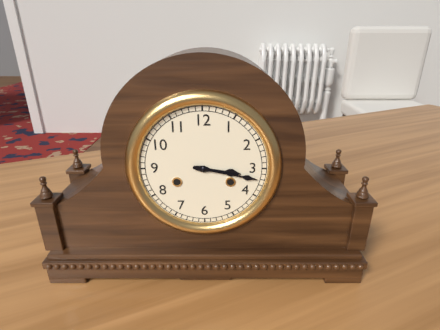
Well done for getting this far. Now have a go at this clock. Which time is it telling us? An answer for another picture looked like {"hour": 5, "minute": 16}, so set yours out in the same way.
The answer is {"hour": 3, "minute": 17}
